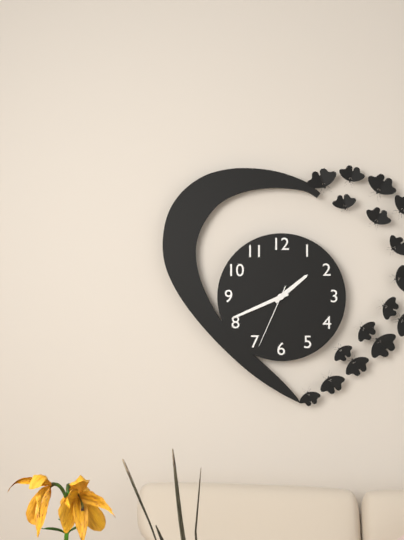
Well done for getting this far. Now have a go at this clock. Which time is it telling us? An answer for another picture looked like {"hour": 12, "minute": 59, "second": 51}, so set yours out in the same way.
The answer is {"hour": 1, "minute": 41, "second": 34}
